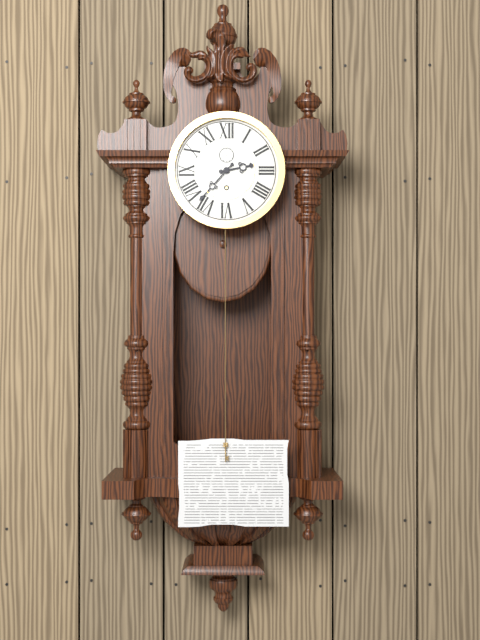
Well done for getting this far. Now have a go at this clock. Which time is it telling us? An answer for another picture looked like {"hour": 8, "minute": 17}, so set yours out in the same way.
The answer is {"hour": 2, "minute": 37}
